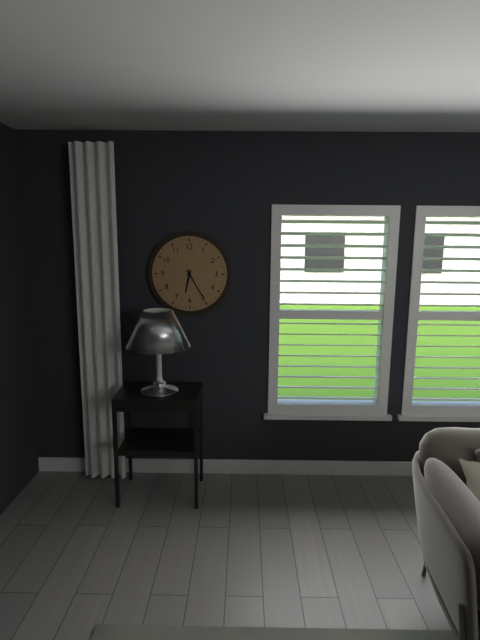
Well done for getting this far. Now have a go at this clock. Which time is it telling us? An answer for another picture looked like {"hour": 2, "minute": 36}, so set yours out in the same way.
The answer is {"hour": 6, "minute": 25}
